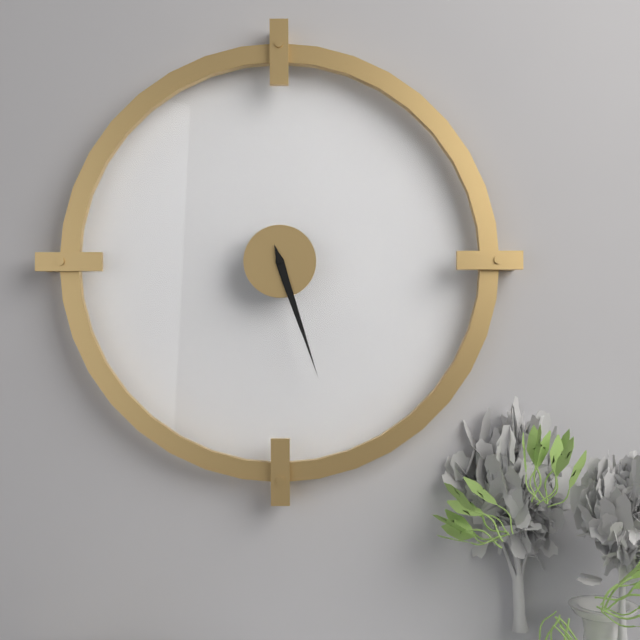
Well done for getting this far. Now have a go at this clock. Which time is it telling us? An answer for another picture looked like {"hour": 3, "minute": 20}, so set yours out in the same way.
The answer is {"hour": 5, "minute": 27}
